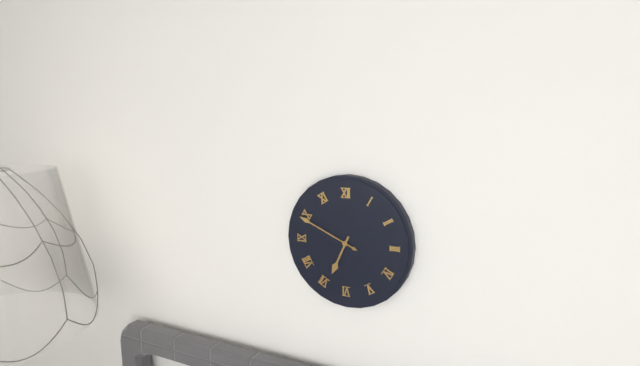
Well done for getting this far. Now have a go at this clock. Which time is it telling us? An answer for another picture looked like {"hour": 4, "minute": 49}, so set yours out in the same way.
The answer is {"hour": 6, "minute": 49}
